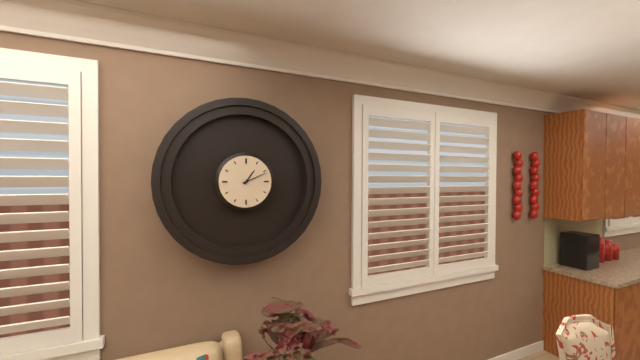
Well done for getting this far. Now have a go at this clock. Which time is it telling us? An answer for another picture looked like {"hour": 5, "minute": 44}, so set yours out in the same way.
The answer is {"hour": 1, "minute": 11}
